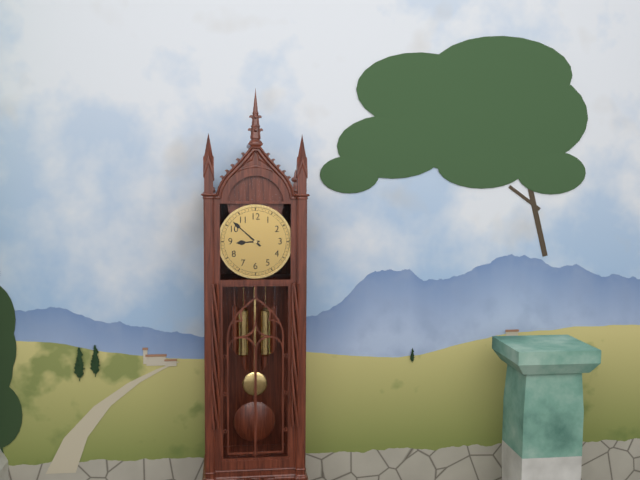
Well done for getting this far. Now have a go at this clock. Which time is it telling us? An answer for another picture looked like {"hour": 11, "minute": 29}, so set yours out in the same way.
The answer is {"hour": 8, "minute": 52}
